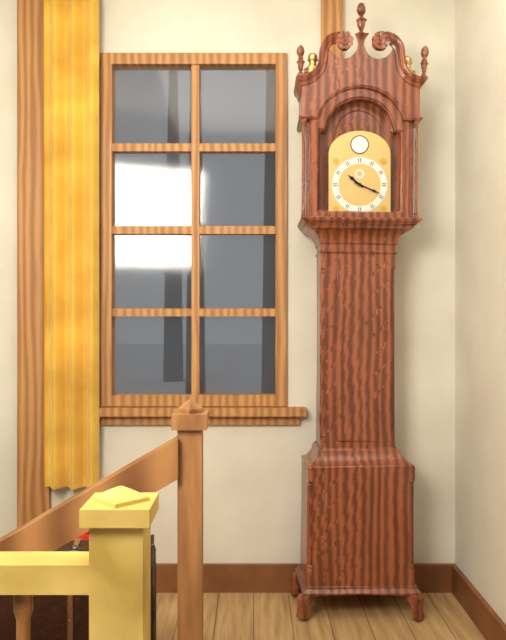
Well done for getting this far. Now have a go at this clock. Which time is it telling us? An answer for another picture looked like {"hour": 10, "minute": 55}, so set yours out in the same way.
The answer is {"hour": 10, "minute": 19}
